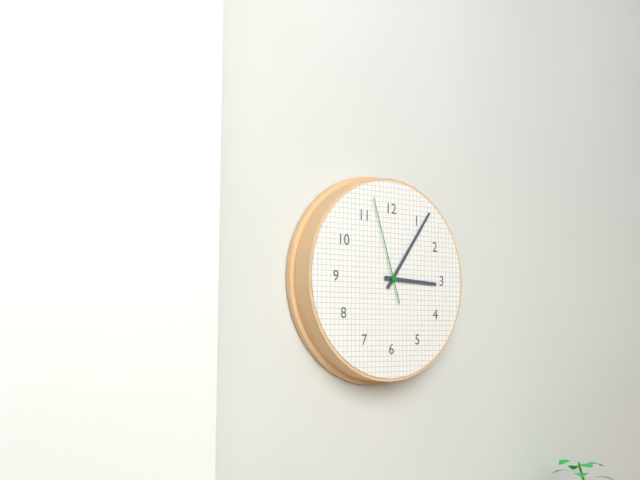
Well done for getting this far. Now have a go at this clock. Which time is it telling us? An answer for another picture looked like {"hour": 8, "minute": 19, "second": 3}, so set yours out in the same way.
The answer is {"hour": 3, "minute": 6, "second": 57}
